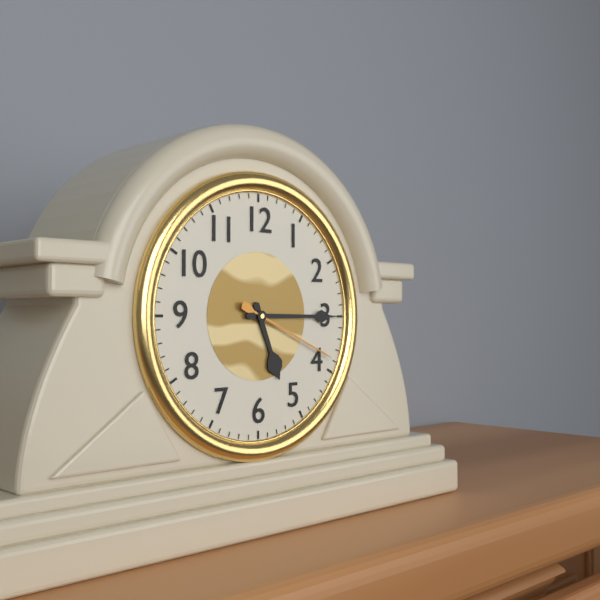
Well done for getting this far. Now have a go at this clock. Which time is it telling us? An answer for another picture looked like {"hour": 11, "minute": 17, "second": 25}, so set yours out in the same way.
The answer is {"hour": 5, "minute": 15, "second": 19}
